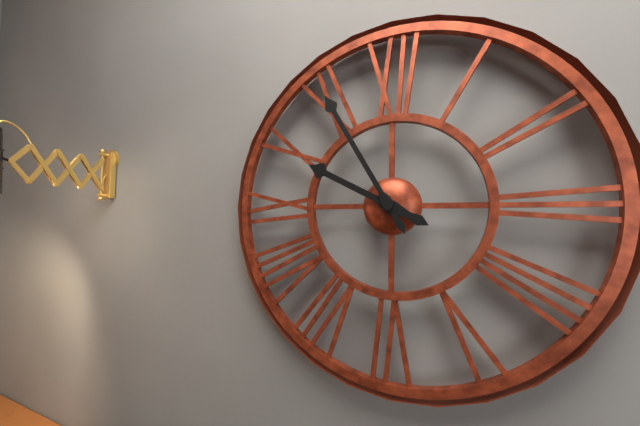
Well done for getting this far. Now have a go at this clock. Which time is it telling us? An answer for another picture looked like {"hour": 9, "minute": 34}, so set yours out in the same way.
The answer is {"hour": 9, "minute": 55}
